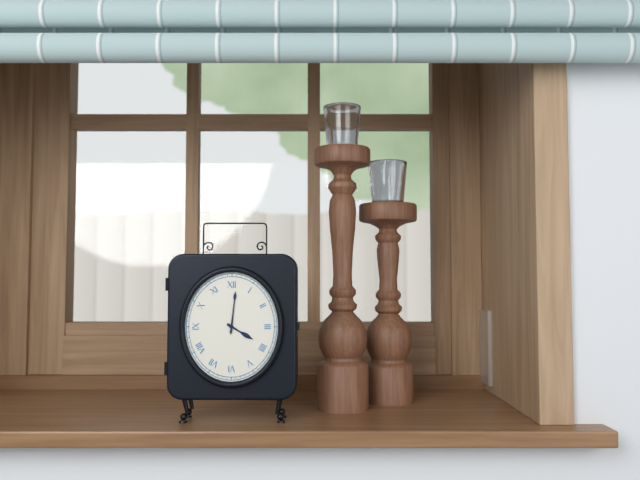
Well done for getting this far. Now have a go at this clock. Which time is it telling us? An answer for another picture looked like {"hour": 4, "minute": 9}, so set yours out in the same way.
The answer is {"hour": 4, "minute": 1}
